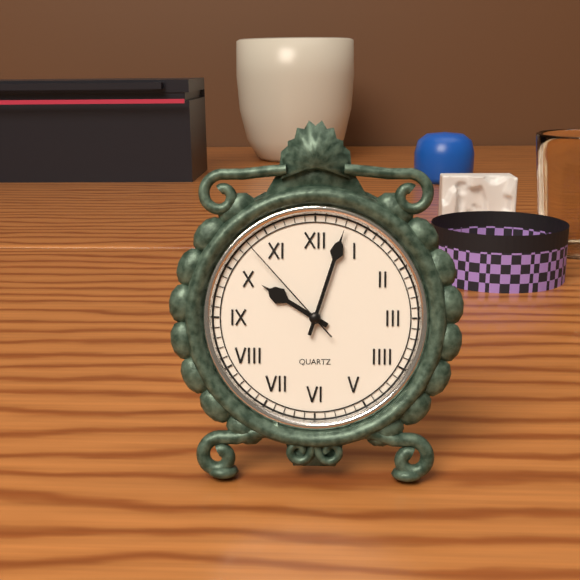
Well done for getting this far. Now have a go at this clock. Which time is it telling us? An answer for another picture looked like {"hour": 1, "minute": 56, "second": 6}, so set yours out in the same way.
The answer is {"hour": 10, "minute": 3, "second": 53}
